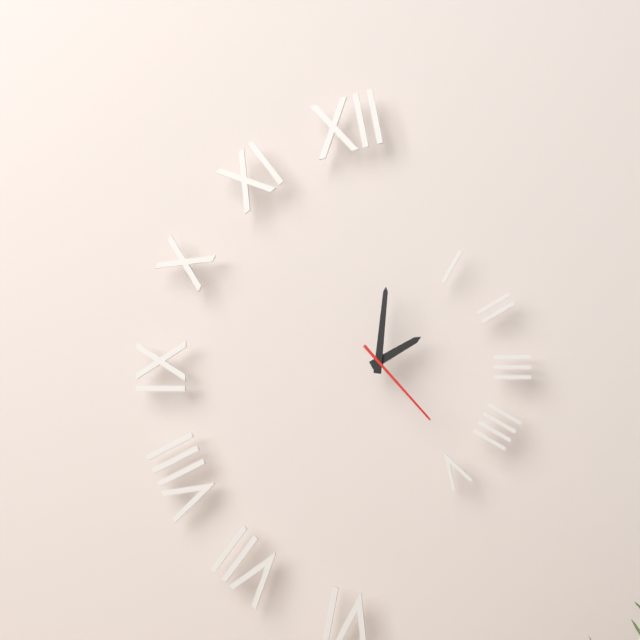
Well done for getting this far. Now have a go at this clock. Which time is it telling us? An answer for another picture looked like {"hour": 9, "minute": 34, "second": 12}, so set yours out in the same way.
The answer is {"hour": 2, "minute": 1, "second": 23}
